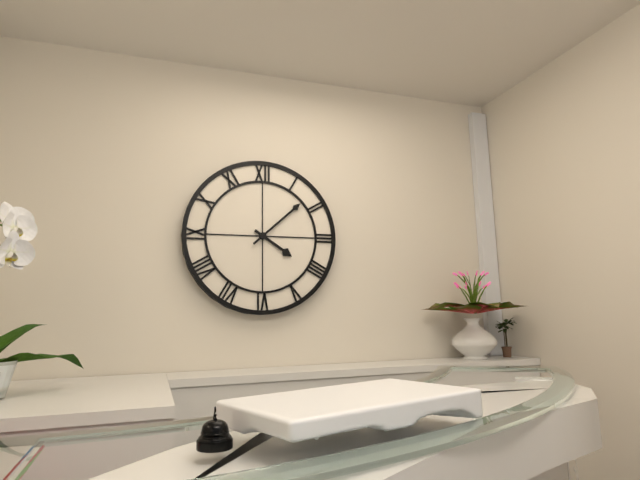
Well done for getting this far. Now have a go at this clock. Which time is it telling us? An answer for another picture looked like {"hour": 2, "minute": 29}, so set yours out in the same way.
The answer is {"hour": 4, "minute": 8}
